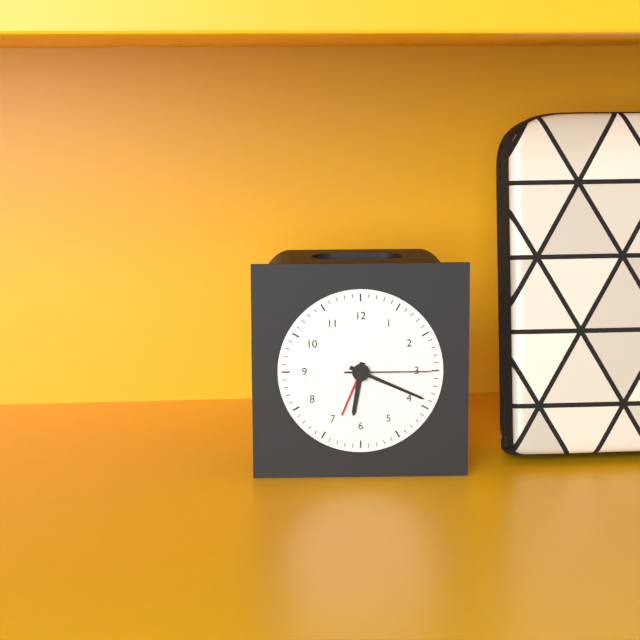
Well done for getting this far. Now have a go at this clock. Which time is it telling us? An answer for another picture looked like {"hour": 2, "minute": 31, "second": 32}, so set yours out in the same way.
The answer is {"hour": 6, "minute": 19, "second": 15}
